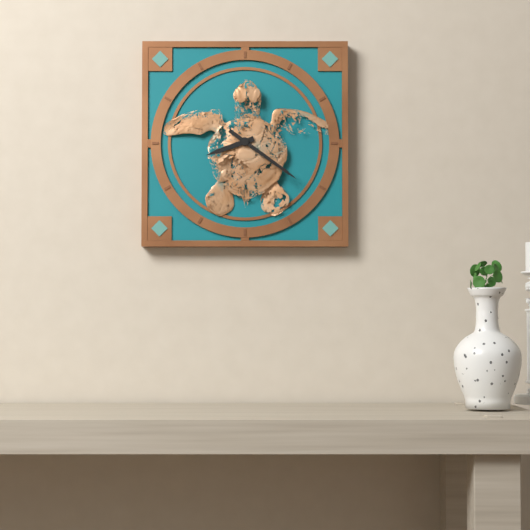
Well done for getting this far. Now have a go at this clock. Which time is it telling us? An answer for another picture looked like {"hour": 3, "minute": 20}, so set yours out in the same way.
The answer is {"hour": 8, "minute": 21}
